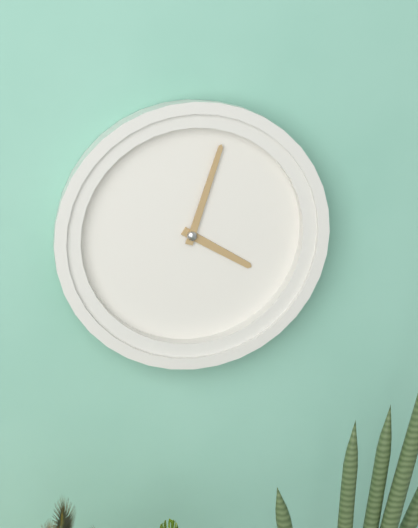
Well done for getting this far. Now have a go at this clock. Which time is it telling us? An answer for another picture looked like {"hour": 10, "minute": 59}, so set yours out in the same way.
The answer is {"hour": 4, "minute": 3}
